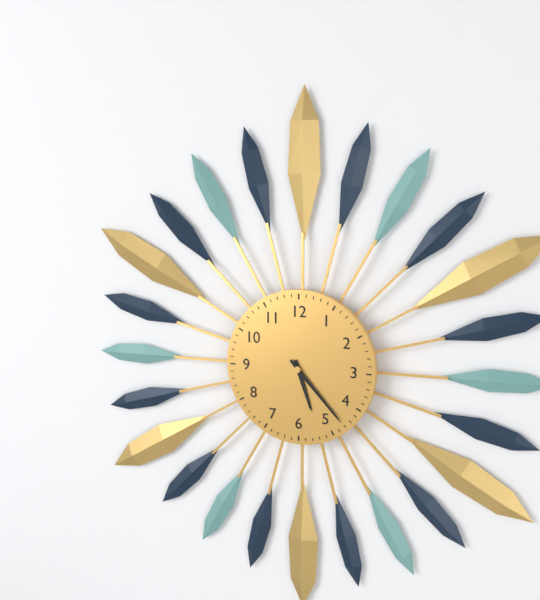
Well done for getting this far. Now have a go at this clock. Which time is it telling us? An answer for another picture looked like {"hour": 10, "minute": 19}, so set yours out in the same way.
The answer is {"hour": 5, "minute": 23}
